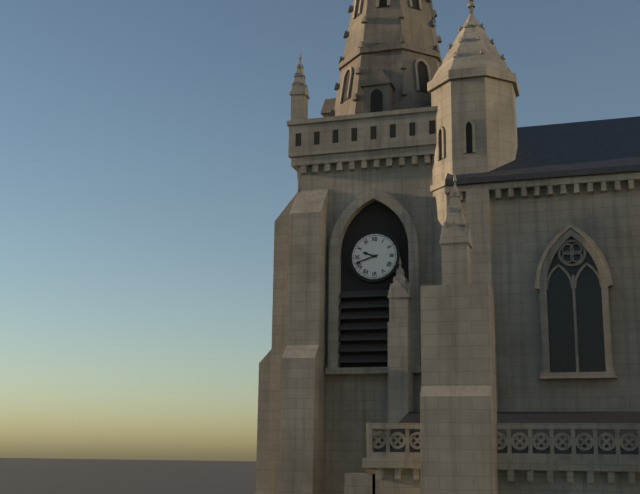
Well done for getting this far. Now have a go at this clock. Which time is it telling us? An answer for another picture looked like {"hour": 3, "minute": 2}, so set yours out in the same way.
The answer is {"hour": 9, "minute": 42}
